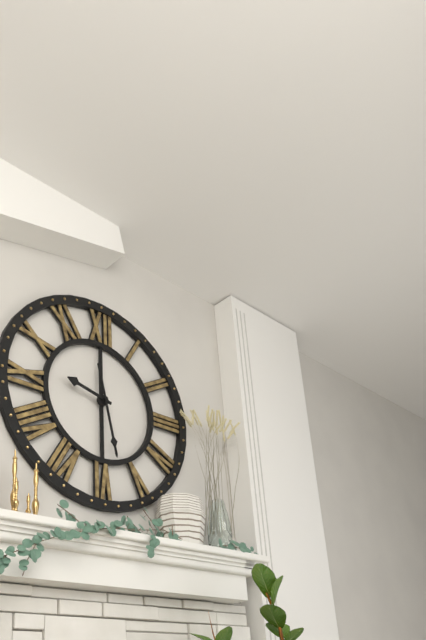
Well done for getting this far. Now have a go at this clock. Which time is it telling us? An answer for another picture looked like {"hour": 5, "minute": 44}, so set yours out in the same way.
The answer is {"hour": 9, "minute": 28}
